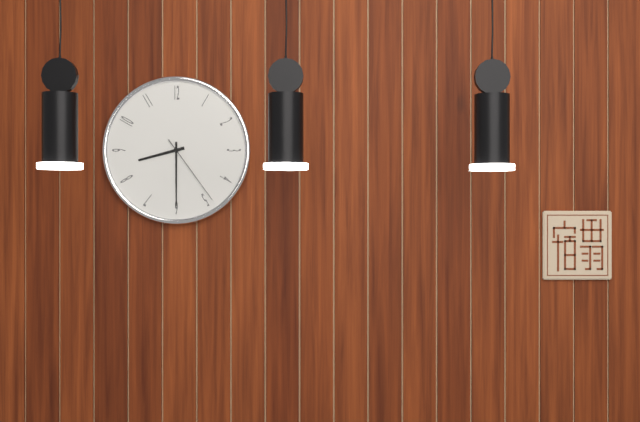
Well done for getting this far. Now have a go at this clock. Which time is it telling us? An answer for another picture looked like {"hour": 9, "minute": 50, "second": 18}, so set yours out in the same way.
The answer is {"hour": 8, "minute": 30, "second": 24}
